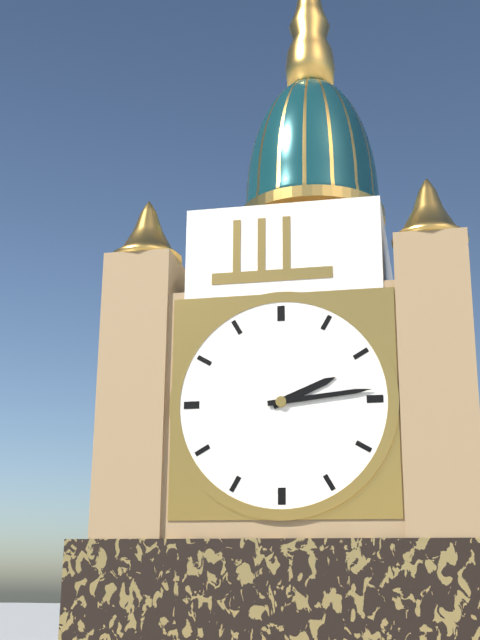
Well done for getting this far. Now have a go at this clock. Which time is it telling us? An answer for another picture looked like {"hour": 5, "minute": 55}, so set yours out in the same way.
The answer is {"hour": 2, "minute": 14}
